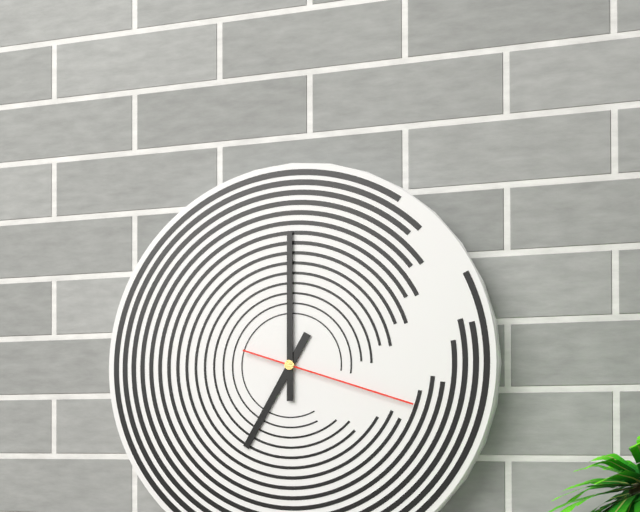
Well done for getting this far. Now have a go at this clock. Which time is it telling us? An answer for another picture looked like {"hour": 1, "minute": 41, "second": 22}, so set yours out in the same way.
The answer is {"hour": 7, "minute": 0, "second": 18}
